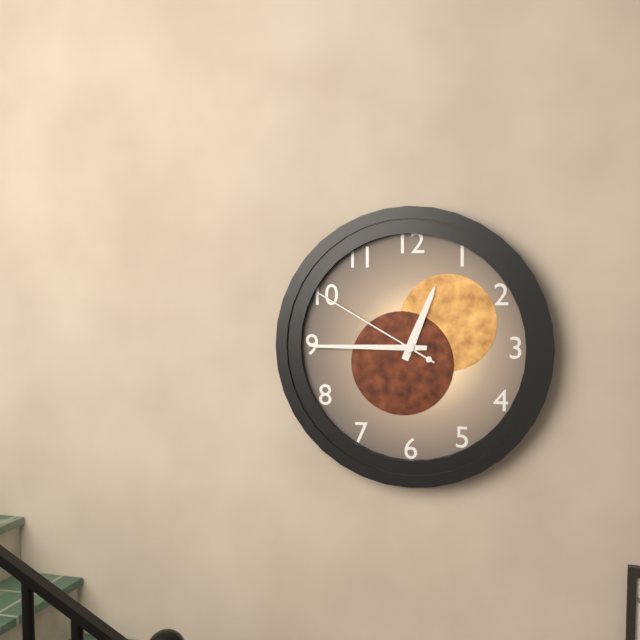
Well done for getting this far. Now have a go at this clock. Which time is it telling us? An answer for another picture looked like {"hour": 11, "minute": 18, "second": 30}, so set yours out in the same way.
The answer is {"hour": 12, "minute": 45, "second": 50}
